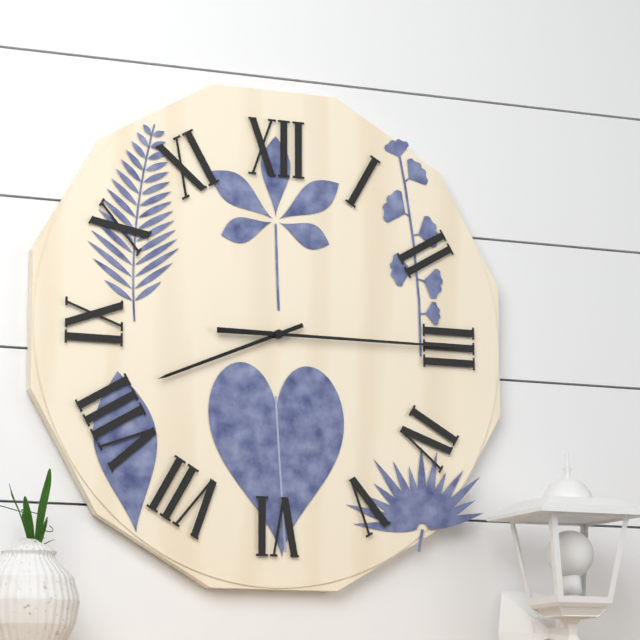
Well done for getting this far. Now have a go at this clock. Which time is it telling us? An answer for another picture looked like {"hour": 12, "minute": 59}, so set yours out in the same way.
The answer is {"hour": 8, "minute": 15}
